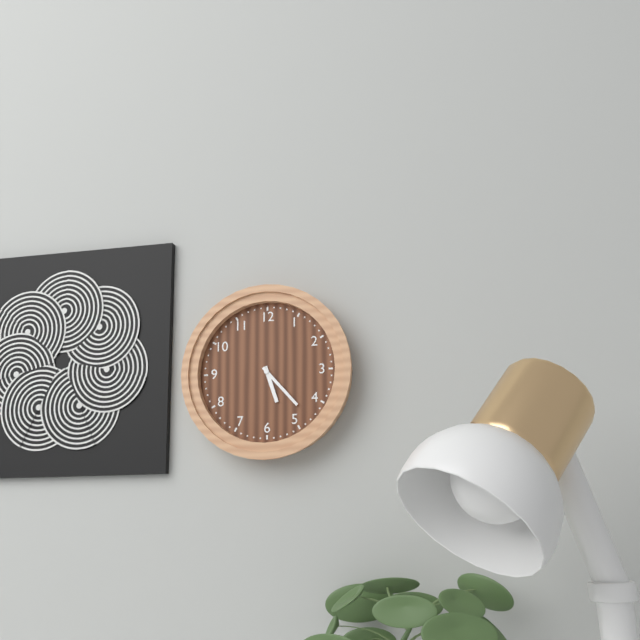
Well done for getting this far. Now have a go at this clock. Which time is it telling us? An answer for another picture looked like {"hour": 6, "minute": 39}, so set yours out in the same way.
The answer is {"hour": 5, "minute": 23}
